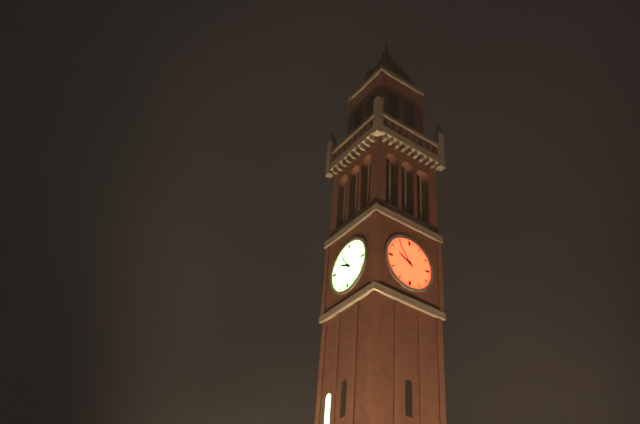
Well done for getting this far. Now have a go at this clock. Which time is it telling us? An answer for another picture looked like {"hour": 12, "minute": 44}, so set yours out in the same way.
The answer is {"hour": 9, "minute": 54}
